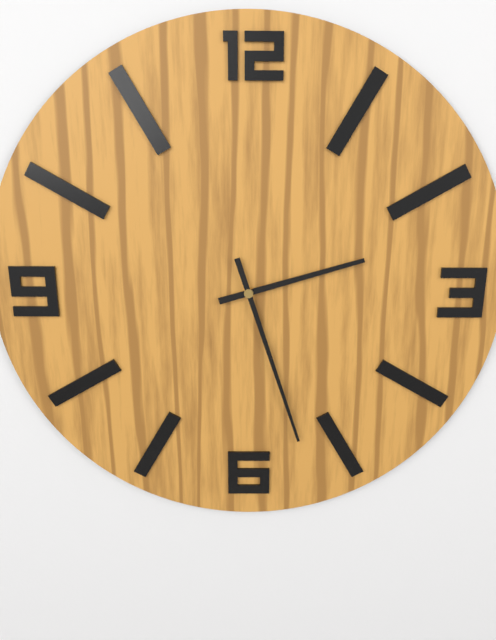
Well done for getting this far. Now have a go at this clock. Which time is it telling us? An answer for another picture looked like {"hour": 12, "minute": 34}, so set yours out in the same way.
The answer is {"hour": 2, "minute": 27}
